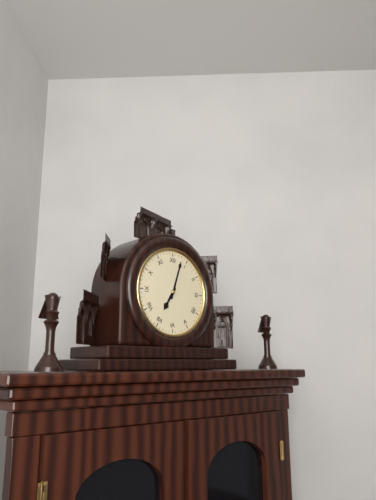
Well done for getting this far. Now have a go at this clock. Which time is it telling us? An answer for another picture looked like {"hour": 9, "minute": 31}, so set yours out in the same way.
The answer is {"hour": 7, "minute": 3}
